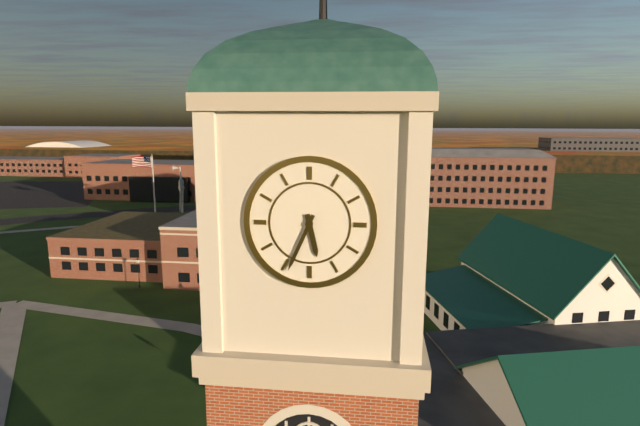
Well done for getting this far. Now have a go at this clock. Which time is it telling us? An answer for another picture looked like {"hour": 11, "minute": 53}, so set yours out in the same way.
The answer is {"hour": 5, "minute": 34}
